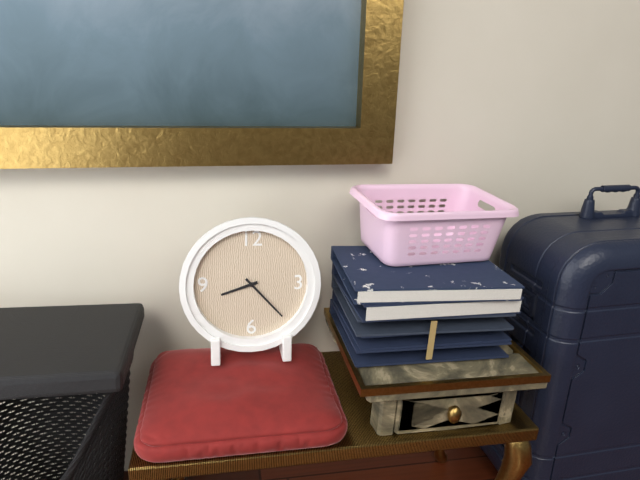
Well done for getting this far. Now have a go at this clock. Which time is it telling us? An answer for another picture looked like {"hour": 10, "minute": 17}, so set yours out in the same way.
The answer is {"hour": 8, "minute": 23}
